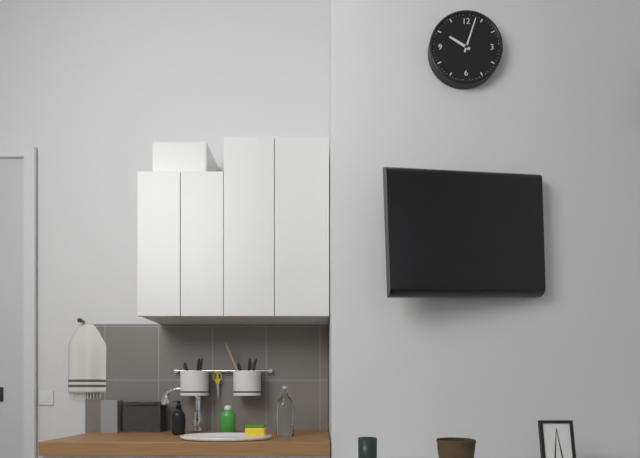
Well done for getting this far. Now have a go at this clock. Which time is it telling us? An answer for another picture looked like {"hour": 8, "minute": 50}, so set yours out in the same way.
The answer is {"hour": 10, "minute": 3}
